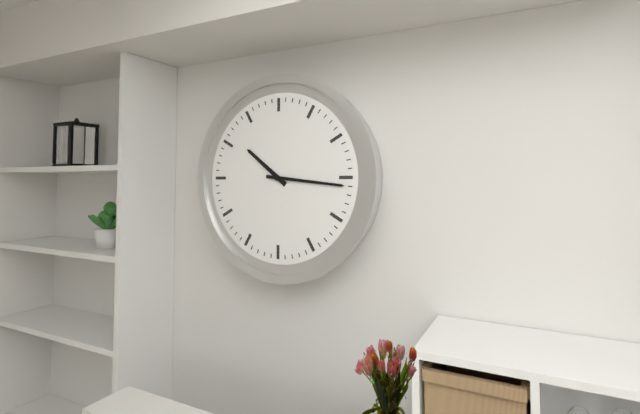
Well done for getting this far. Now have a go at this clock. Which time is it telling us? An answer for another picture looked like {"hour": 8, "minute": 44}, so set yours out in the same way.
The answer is {"hour": 10, "minute": 16}
